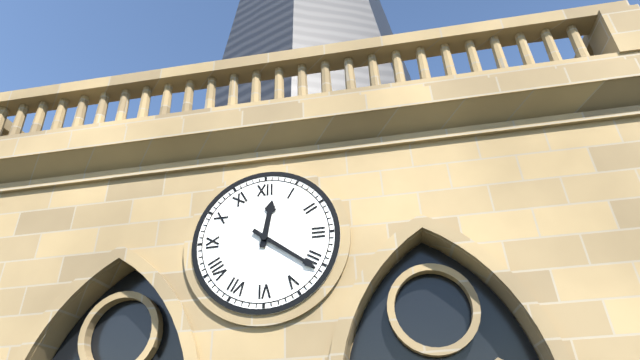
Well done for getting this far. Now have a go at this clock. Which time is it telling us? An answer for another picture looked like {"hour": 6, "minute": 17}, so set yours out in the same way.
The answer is {"hour": 12, "minute": 21}
